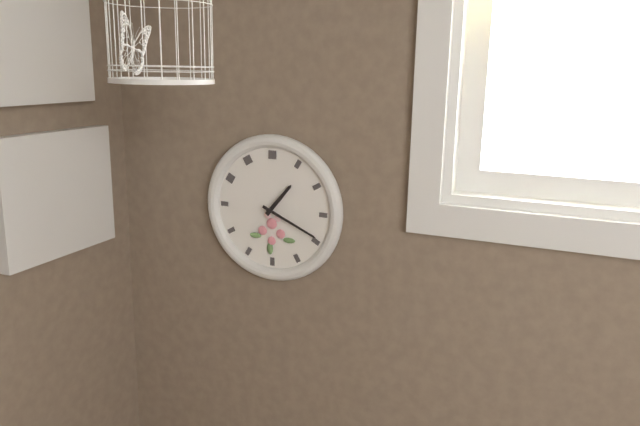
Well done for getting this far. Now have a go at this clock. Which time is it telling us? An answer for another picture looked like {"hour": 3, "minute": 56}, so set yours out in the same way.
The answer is {"hour": 1, "minute": 19}
